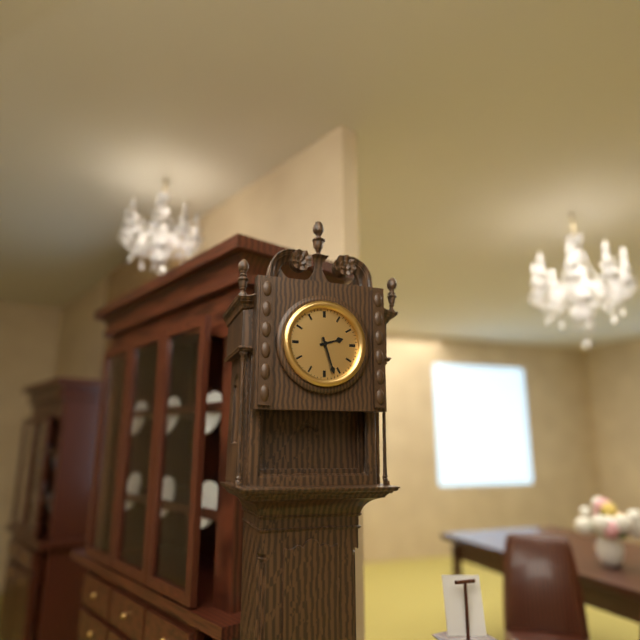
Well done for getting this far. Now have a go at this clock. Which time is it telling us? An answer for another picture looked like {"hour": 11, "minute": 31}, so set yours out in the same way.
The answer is {"hour": 2, "minute": 27}
